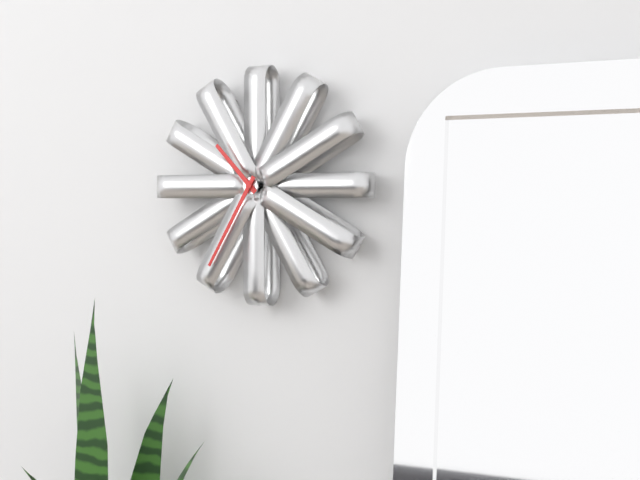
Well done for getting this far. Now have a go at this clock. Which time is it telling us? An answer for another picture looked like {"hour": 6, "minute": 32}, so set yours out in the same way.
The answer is {"hour": 10, "minute": 35}
